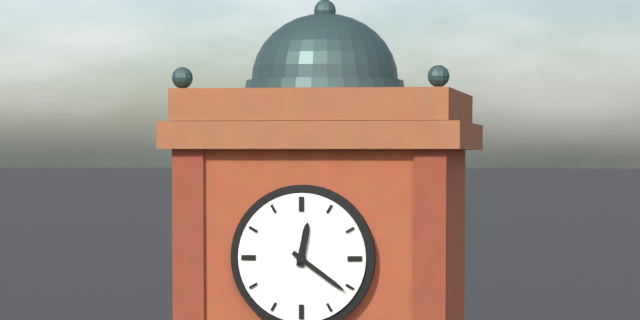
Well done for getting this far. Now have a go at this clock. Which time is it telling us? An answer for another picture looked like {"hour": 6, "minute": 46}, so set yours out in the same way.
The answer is {"hour": 12, "minute": 21}
